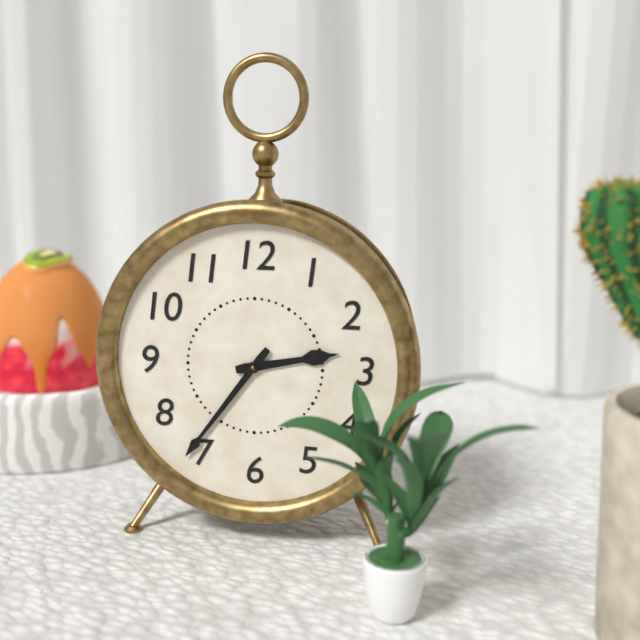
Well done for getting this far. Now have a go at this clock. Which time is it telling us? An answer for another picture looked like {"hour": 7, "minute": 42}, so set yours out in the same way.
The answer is {"hour": 2, "minute": 36}
